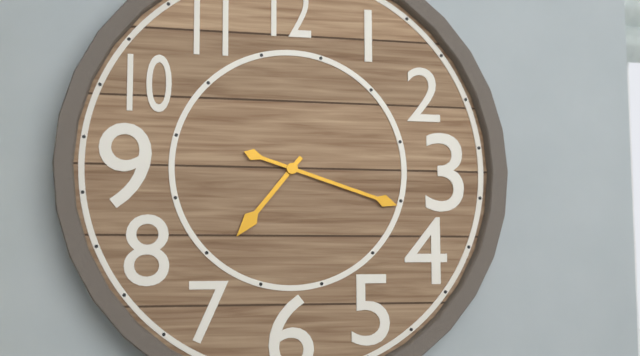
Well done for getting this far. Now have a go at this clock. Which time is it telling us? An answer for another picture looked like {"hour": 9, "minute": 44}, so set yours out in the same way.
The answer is {"hour": 7, "minute": 18}
